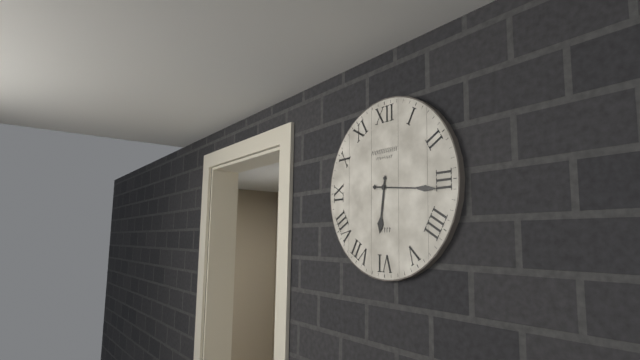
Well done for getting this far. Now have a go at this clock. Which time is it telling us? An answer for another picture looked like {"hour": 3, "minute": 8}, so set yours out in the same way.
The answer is {"hour": 6, "minute": 16}
